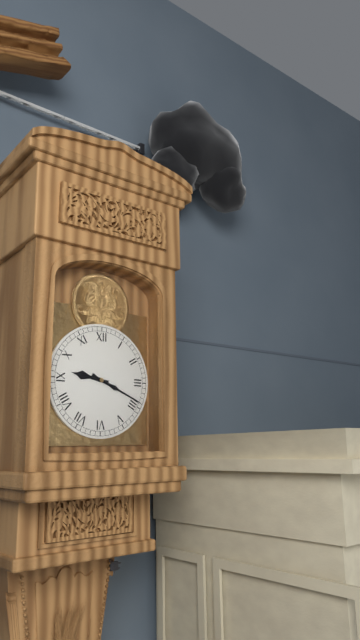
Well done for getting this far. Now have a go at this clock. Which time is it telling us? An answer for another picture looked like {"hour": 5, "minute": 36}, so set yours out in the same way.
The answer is {"hour": 9, "minute": 19}
